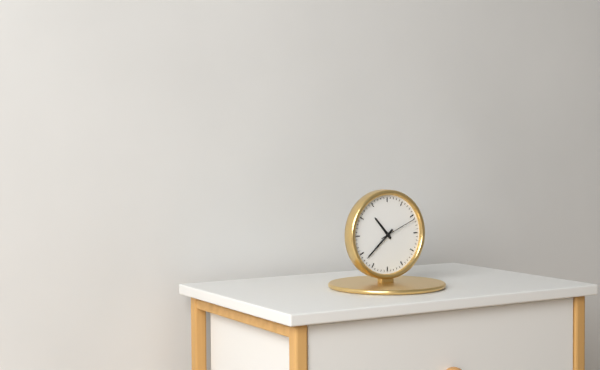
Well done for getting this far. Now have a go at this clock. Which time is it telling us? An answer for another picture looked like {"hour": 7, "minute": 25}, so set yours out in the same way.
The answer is {"hour": 10, "minute": 38}
